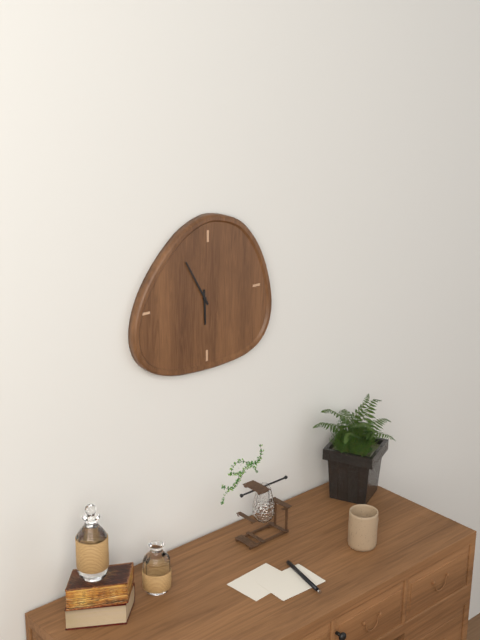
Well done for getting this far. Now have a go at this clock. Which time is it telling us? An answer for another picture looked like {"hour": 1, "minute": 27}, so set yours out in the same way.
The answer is {"hour": 5, "minute": 55}
